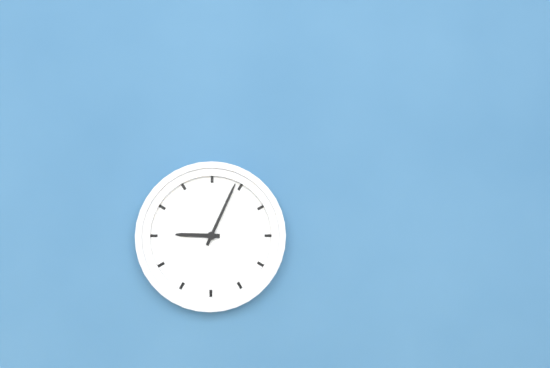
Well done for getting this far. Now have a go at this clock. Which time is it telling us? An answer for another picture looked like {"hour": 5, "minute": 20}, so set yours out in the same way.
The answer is {"hour": 9, "minute": 4}
